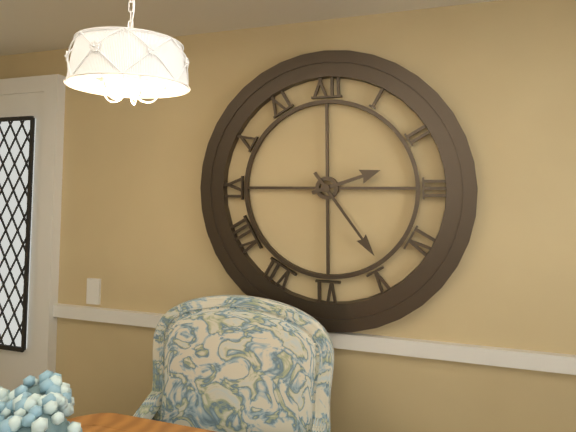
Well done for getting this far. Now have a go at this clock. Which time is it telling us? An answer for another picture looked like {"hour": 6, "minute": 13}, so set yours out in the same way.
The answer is {"hour": 2, "minute": 24}
